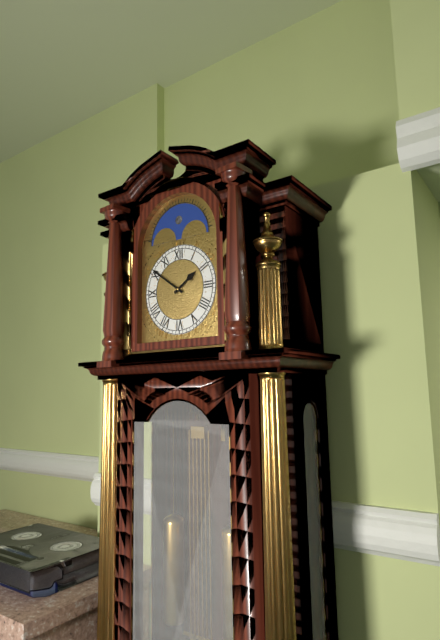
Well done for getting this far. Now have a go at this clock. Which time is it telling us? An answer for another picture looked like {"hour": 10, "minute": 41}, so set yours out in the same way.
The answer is {"hour": 1, "minute": 51}
